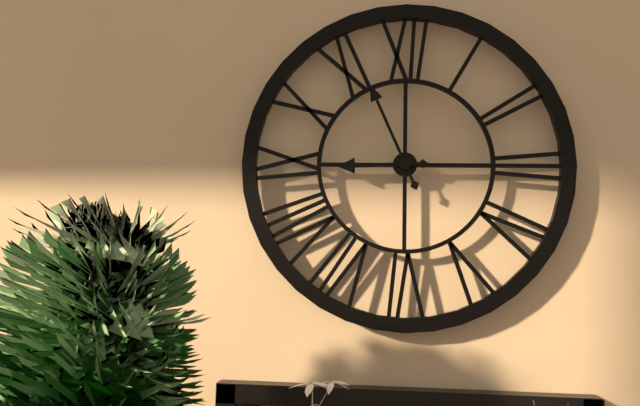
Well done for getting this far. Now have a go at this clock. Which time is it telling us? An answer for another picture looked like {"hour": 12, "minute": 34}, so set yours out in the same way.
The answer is {"hour": 8, "minute": 56}
